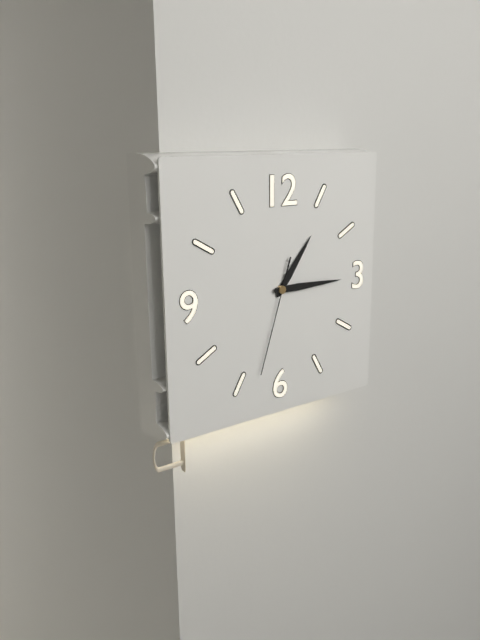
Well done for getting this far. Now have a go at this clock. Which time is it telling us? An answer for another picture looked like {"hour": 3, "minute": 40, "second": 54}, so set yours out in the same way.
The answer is {"hour": 1, "minute": 15, "second": 33}
